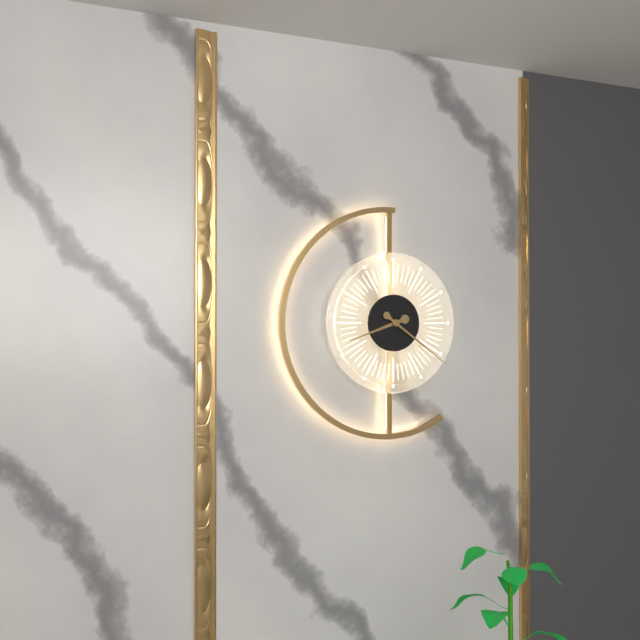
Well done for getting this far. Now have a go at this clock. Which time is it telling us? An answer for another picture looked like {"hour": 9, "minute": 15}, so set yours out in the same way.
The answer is {"hour": 8, "minute": 21}
